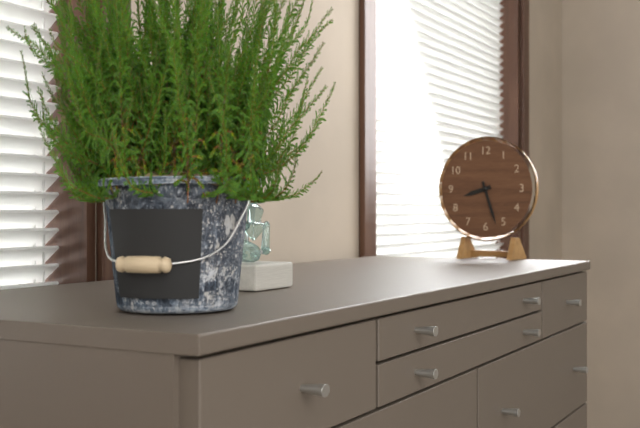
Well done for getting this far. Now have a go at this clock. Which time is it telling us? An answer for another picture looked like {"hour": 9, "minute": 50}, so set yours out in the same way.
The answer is {"hour": 8, "minute": 27}
